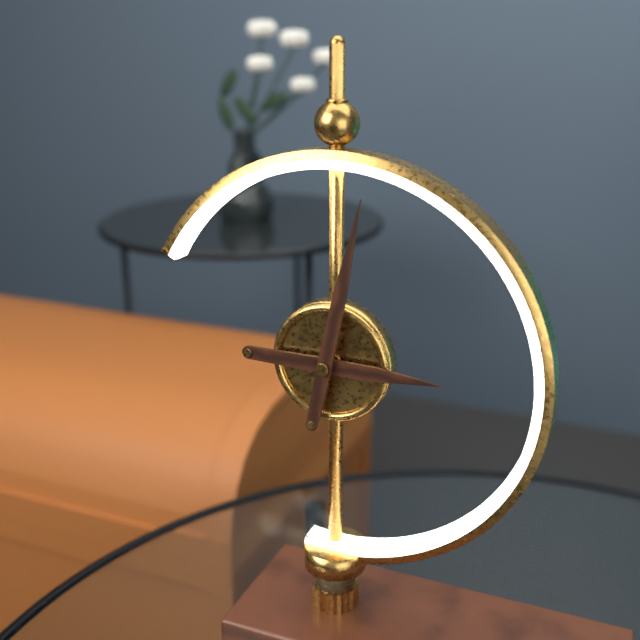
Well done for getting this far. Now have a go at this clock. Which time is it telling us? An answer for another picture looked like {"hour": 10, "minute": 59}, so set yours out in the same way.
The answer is {"hour": 3, "minute": 2}
